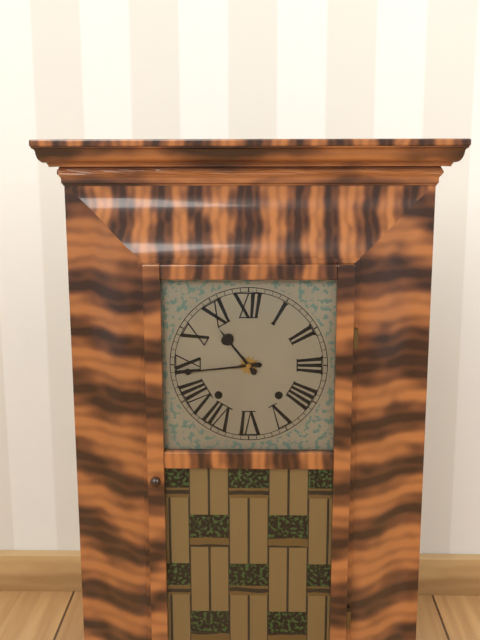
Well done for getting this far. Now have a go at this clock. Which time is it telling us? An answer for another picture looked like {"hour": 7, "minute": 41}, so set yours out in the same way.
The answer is {"hour": 10, "minute": 44}
